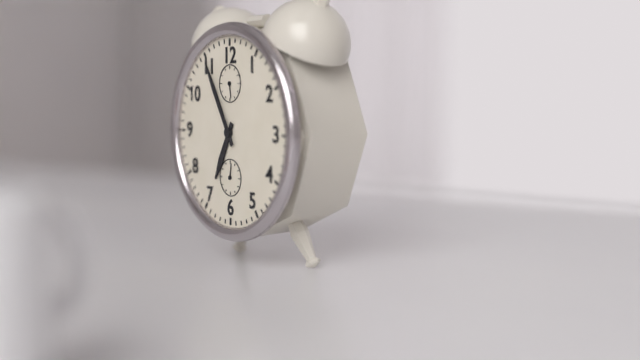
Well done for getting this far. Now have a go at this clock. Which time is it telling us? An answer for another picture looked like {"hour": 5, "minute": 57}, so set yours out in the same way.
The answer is {"hour": 6, "minute": 55}
